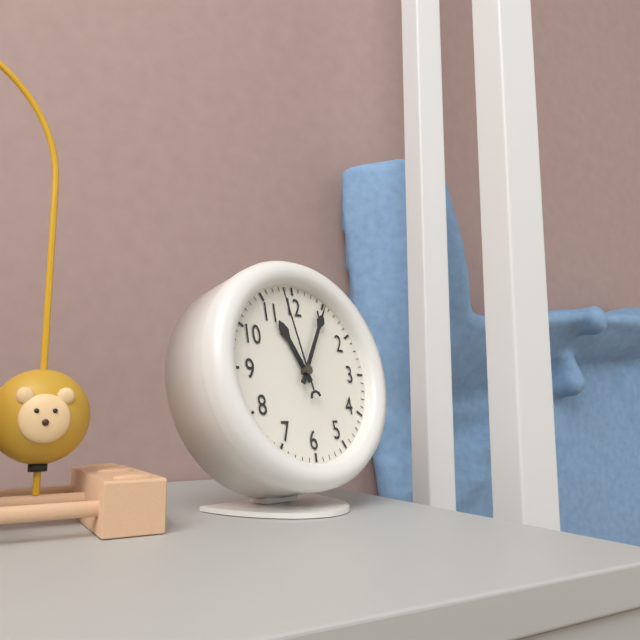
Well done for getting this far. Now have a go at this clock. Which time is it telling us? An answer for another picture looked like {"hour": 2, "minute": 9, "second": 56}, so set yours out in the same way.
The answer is {"hour": 11, "minute": 5, "second": 58}
